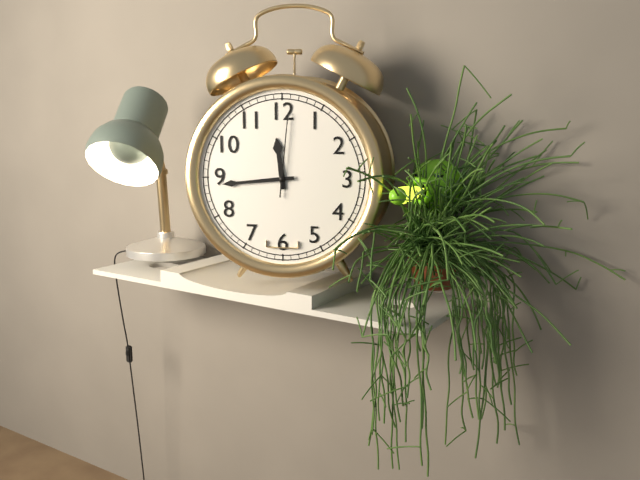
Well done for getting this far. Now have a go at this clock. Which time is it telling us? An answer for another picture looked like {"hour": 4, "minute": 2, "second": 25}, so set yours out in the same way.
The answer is {"hour": 11, "minute": 44, "second": 1}
